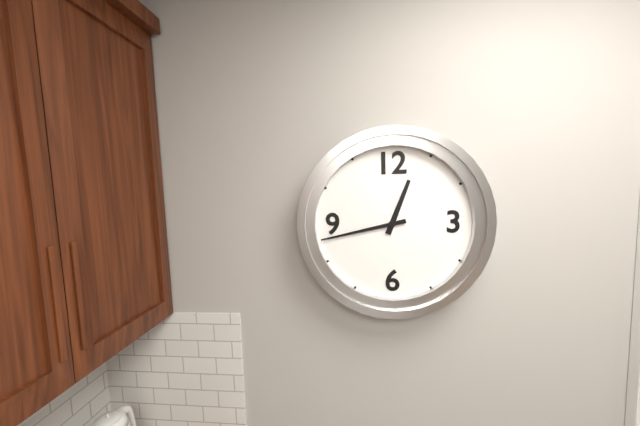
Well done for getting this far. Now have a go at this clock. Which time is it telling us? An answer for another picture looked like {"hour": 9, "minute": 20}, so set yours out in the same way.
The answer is {"hour": 12, "minute": 43}
